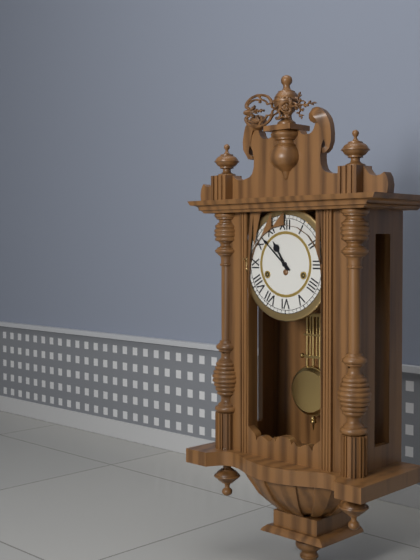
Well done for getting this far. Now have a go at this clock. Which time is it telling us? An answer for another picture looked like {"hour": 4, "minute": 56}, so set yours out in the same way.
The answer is {"hour": 10, "minute": 52}
